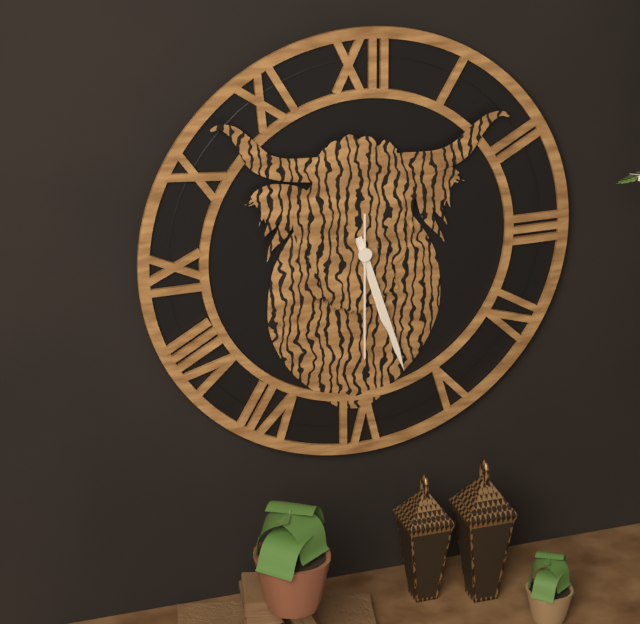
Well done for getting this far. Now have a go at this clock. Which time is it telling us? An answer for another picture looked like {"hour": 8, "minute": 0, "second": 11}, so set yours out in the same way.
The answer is {"hour": 5, "minute": 27, "second": 30}
